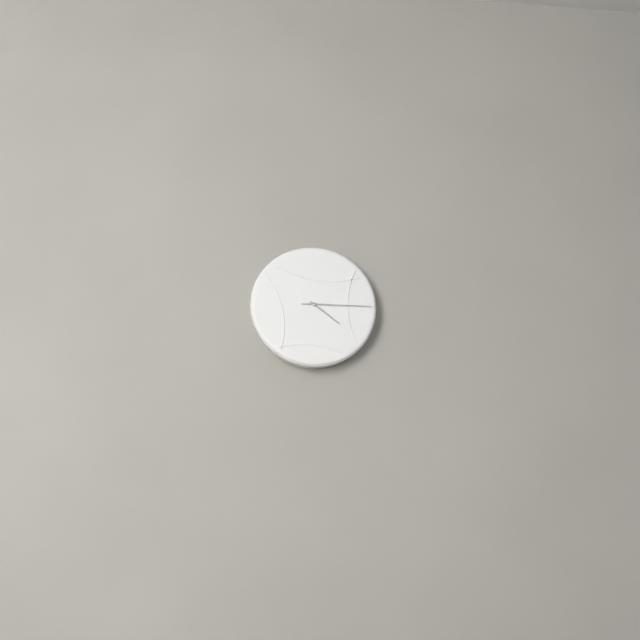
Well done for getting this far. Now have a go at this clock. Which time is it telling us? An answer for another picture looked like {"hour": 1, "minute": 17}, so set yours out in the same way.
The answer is {"hour": 4, "minute": 15}
